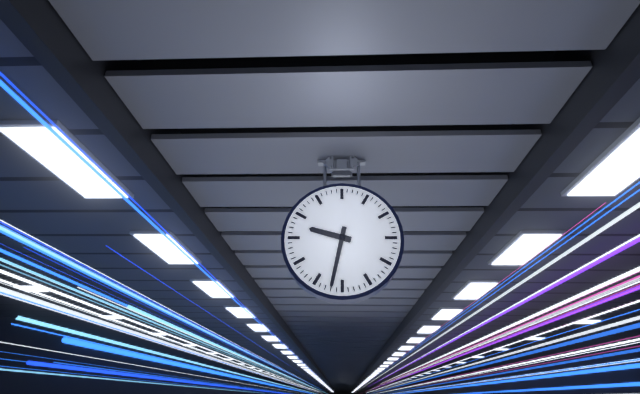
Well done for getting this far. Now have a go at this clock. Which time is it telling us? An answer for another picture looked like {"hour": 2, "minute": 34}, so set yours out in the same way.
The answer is {"hour": 9, "minute": 32}
